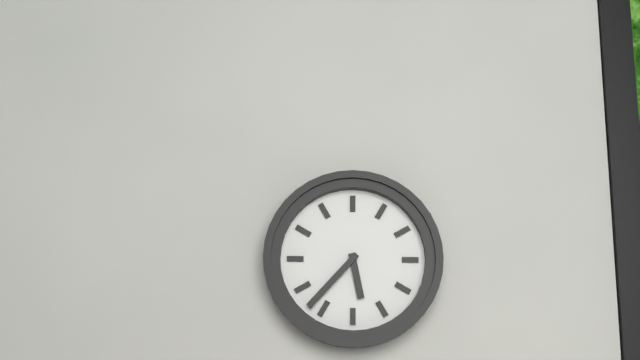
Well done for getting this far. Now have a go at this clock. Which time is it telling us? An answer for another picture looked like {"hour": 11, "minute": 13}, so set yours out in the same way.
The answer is {"hour": 5, "minute": 37}
